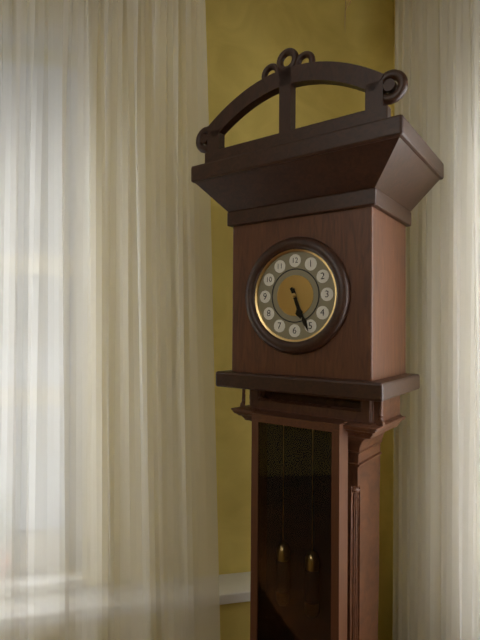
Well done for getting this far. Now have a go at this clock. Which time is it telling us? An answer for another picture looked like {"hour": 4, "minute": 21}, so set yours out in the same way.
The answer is {"hour": 5, "minute": 26}
